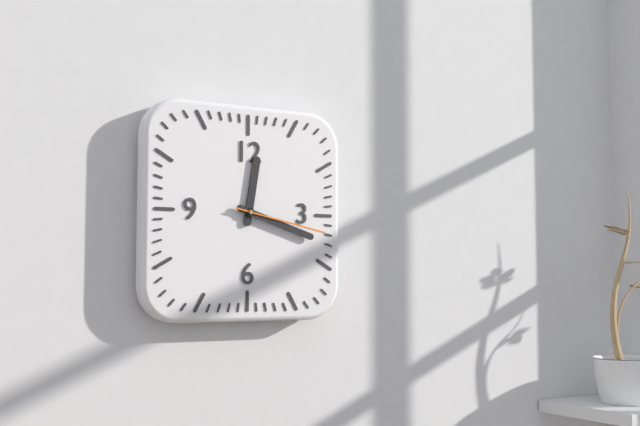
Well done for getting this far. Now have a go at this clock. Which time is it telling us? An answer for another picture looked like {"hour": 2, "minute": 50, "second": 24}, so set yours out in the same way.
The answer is {"hour": 12, "minute": 18, "second": 17}
